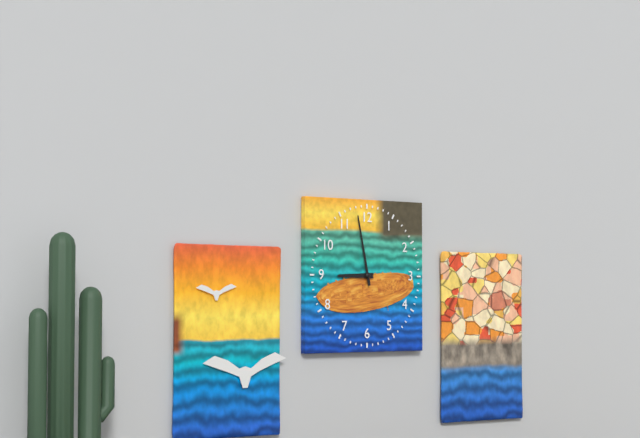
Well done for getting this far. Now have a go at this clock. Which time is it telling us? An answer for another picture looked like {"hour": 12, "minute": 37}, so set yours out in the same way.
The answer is {"hour": 8, "minute": 58}
